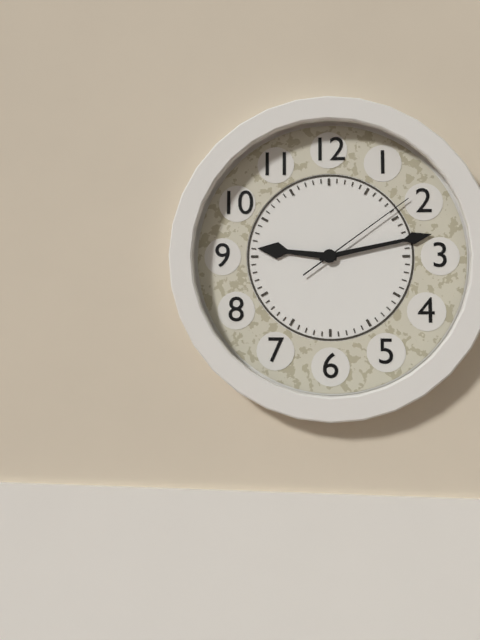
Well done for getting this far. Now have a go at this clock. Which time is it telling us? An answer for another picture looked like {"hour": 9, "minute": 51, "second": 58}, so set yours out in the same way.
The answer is {"hour": 9, "minute": 13, "second": 9}
